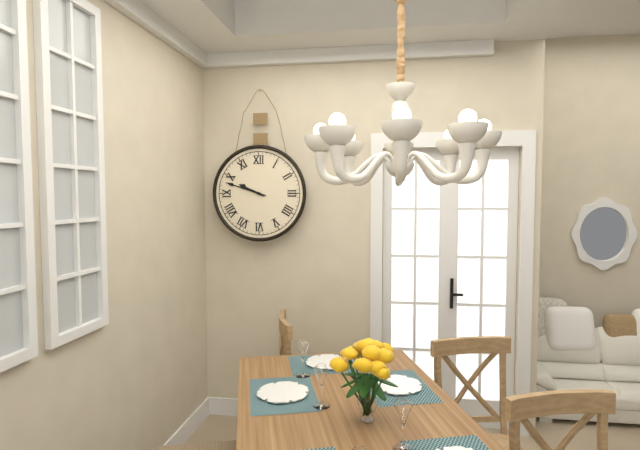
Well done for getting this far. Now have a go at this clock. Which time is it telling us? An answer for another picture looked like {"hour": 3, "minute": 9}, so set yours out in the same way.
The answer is {"hour": 9, "minute": 48}
